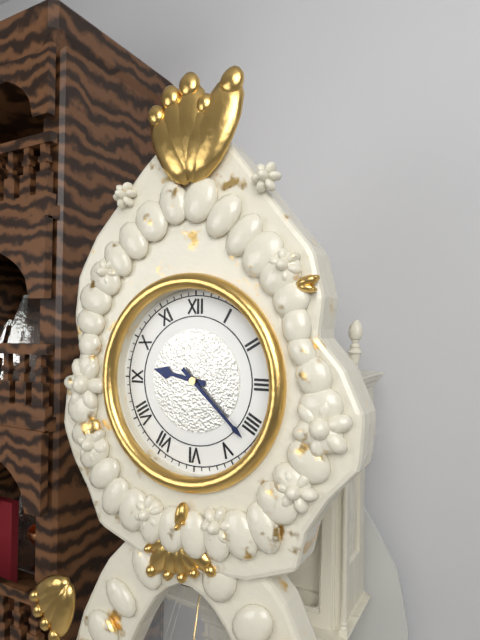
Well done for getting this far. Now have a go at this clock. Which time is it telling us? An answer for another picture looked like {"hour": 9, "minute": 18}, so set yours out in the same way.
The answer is {"hour": 9, "minute": 22}
